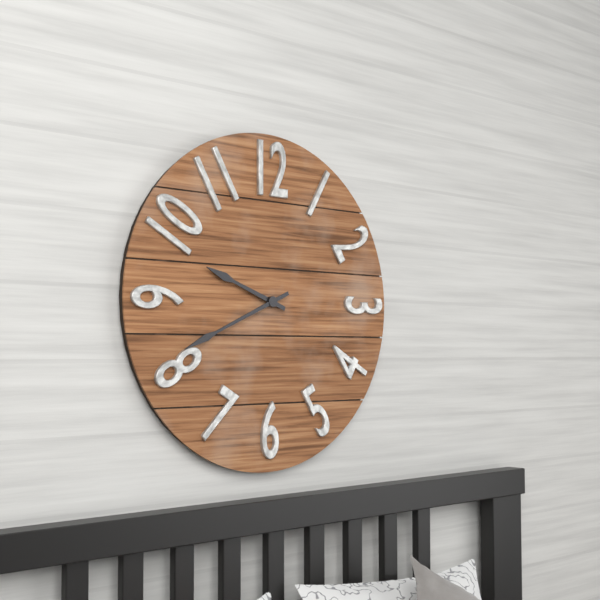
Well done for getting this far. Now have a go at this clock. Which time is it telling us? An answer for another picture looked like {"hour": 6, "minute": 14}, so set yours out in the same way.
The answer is {"hour": 9, "minute": 41}
